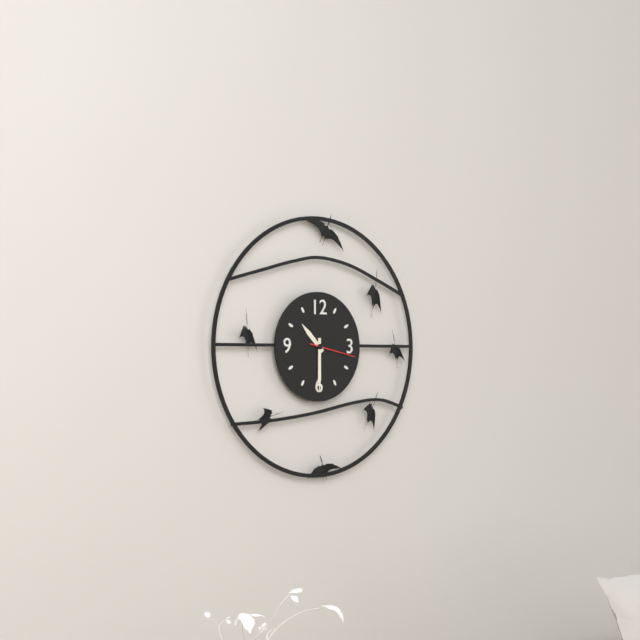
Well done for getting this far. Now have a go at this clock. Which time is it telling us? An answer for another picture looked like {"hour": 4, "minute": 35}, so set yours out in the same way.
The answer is {"hour": 10, "minute": 30}
